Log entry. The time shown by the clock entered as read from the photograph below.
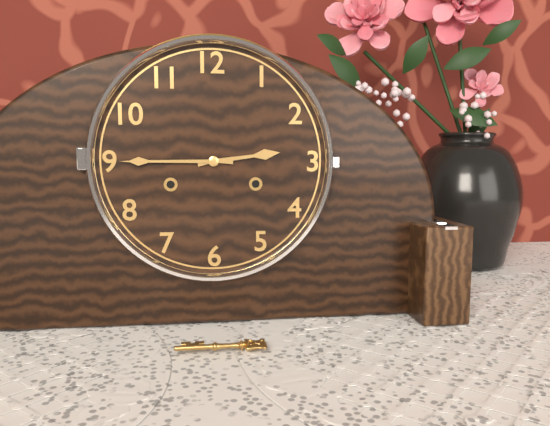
2:45
